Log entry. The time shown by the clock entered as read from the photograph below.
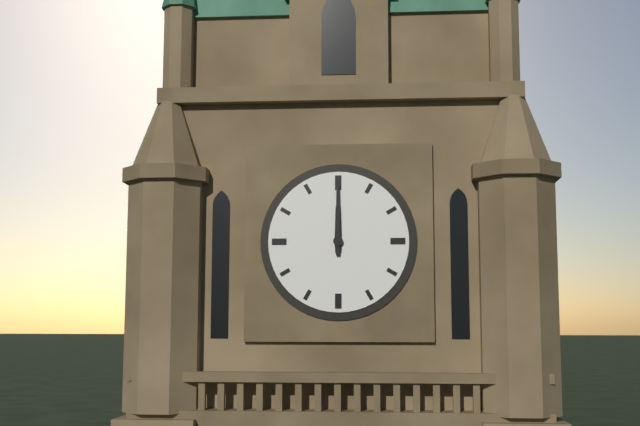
12:00
